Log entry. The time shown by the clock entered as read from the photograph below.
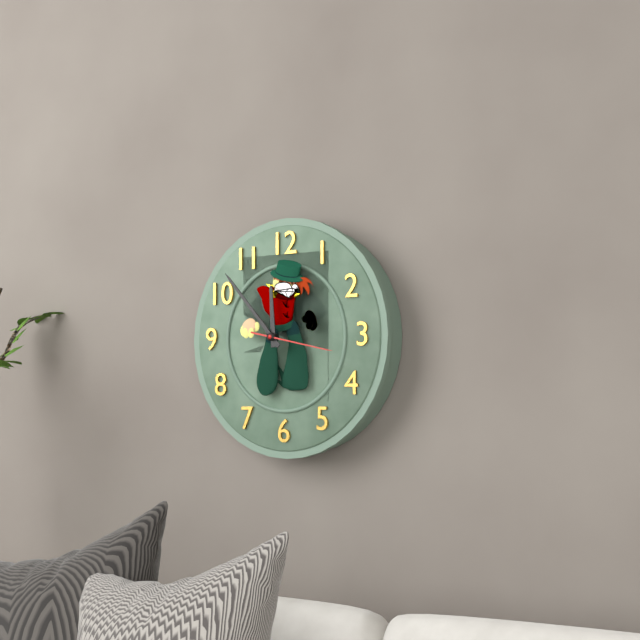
11:53
